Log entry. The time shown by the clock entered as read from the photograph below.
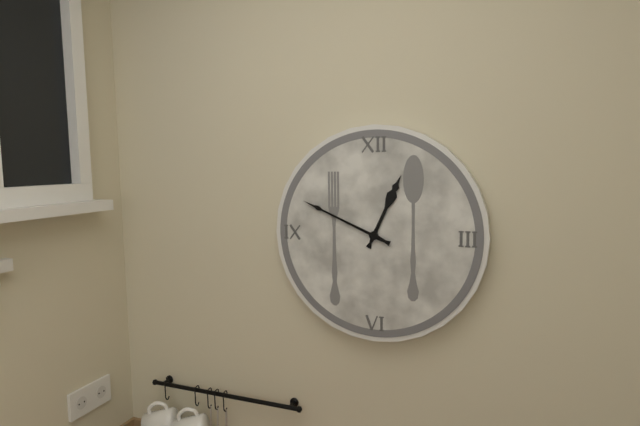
12:49
